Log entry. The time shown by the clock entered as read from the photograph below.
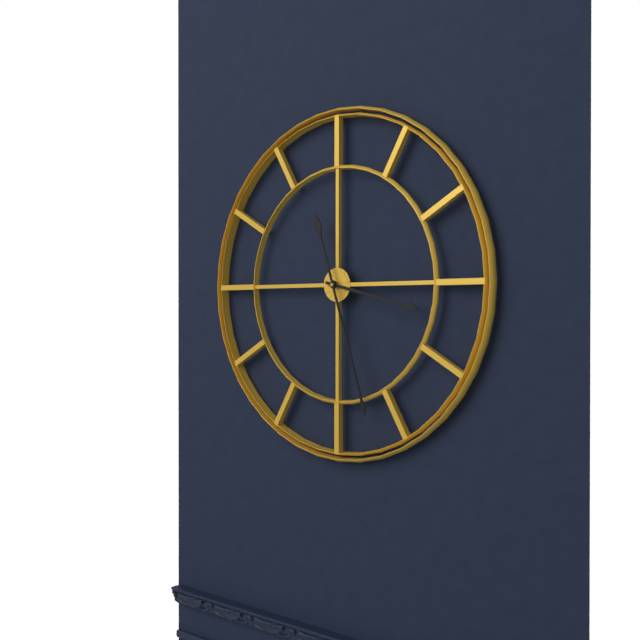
3:27
